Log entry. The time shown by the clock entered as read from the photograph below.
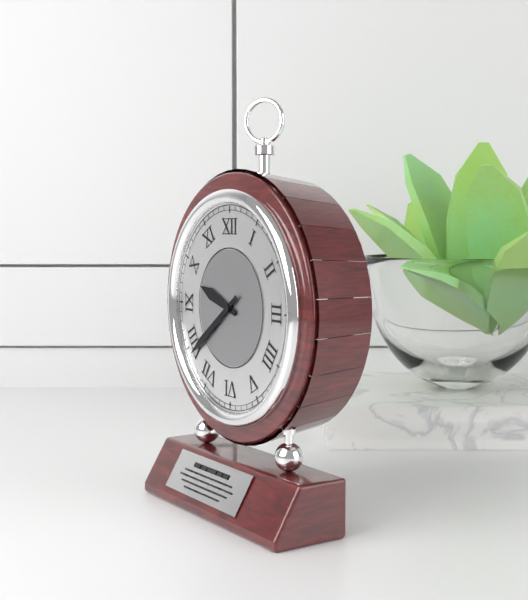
9:39
